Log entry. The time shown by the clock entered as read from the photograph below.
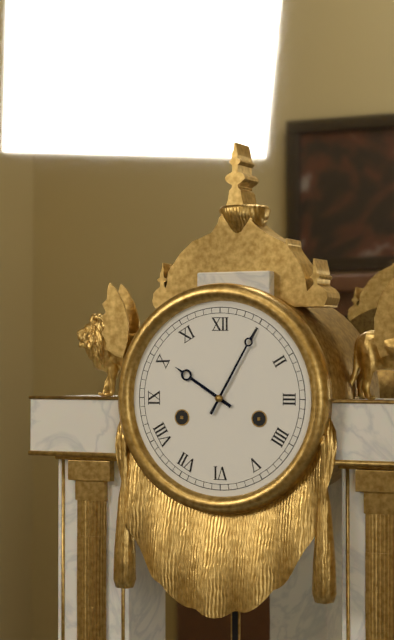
10:05
